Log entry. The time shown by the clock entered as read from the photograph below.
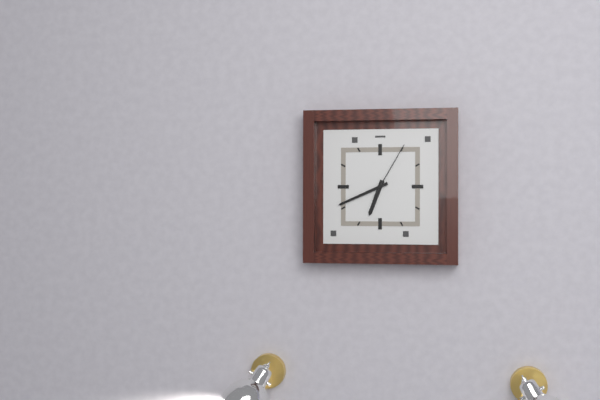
6:41:05
